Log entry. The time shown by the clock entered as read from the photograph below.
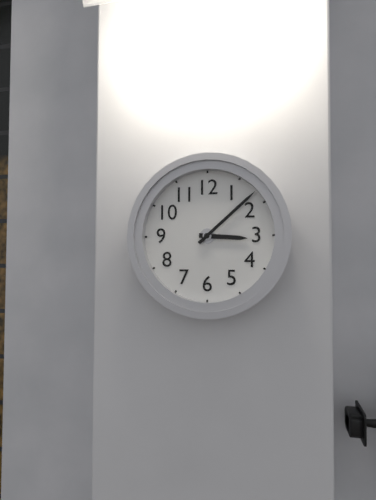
3:08
